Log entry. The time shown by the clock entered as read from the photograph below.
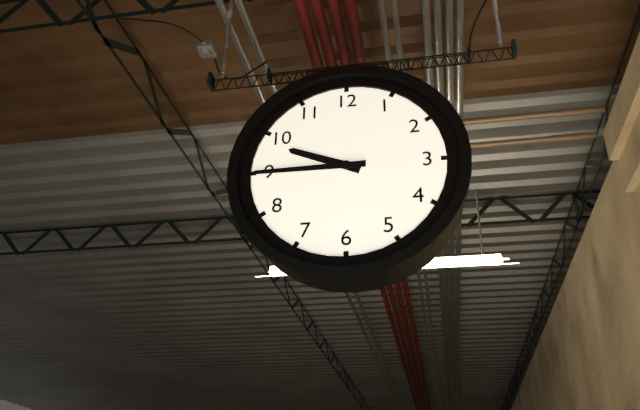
9:45
